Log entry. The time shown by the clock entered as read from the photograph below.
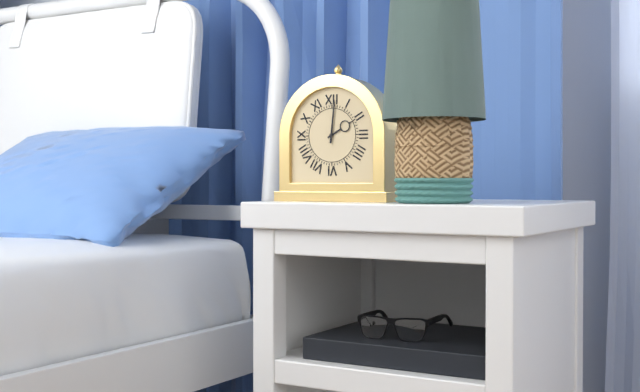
2:01
